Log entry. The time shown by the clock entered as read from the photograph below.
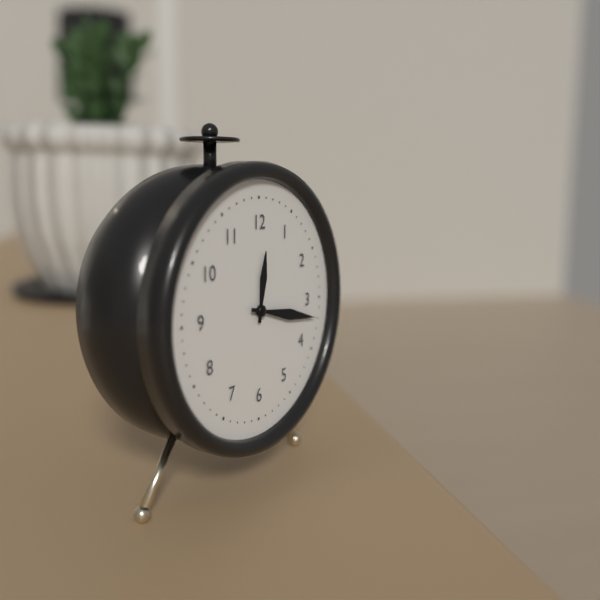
12:17
